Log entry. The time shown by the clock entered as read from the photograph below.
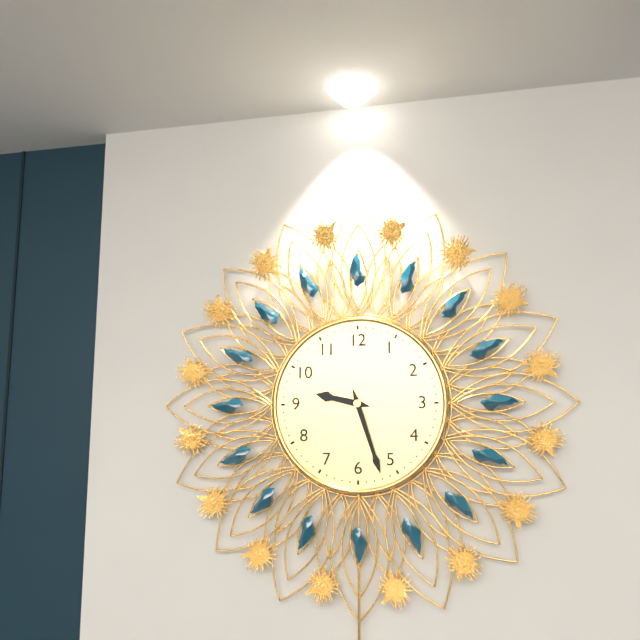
9:27
